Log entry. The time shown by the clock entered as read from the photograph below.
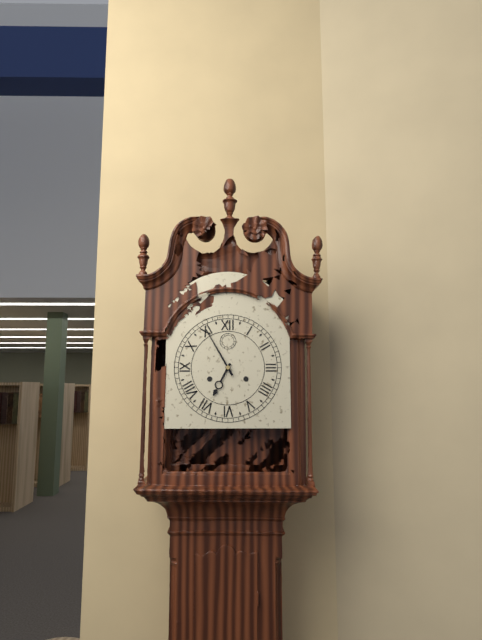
6:55
